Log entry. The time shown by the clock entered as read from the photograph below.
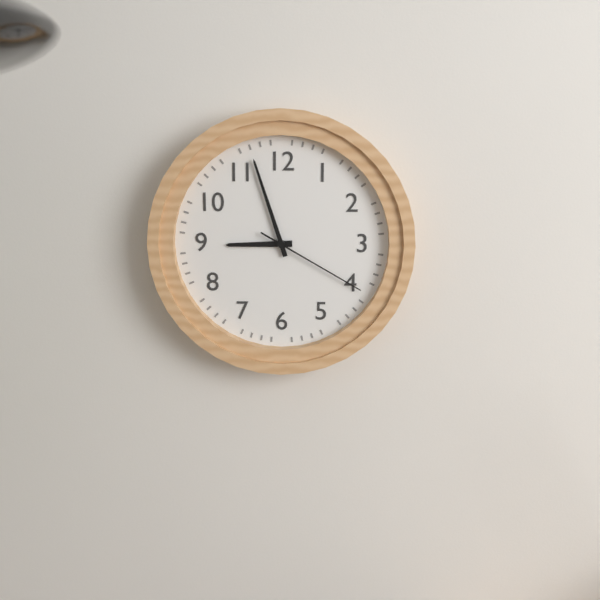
8:57:20
